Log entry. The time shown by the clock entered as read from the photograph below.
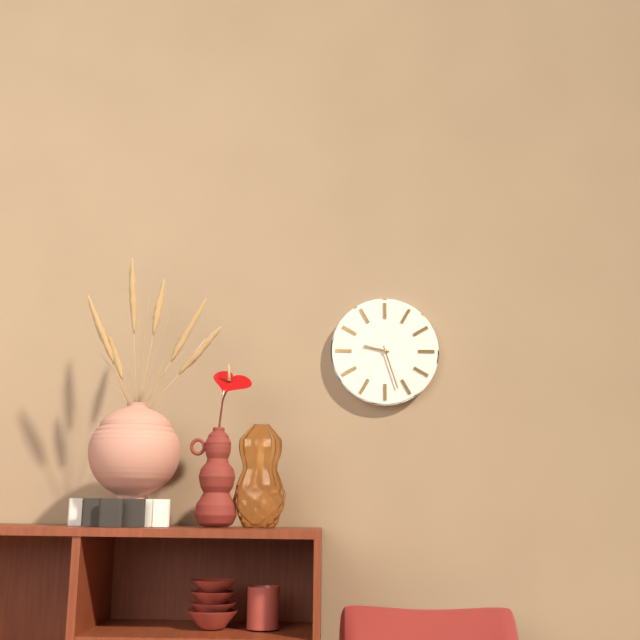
9:27
